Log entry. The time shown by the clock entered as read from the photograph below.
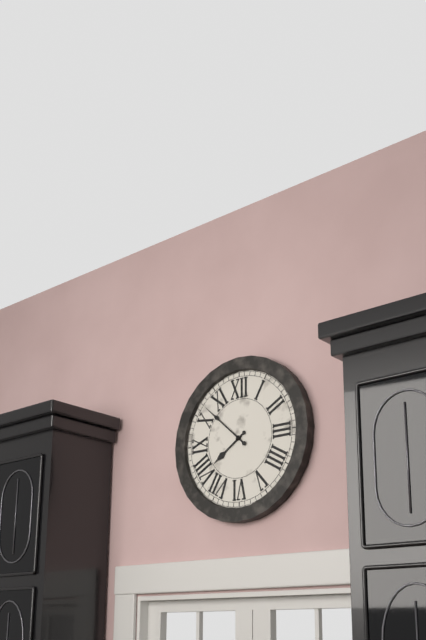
7:52
